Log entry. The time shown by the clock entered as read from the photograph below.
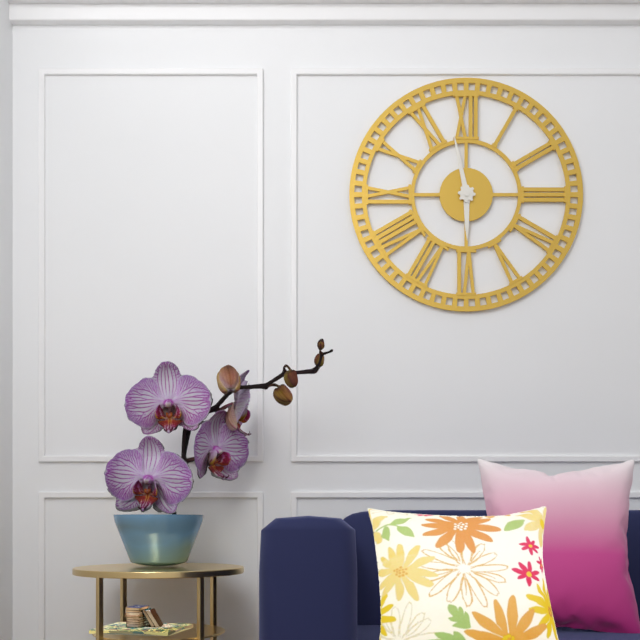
5:58
